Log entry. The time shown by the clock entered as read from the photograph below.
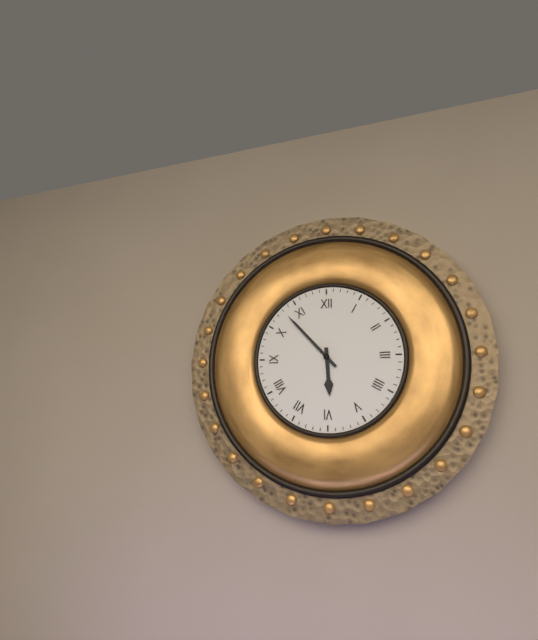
5:53
